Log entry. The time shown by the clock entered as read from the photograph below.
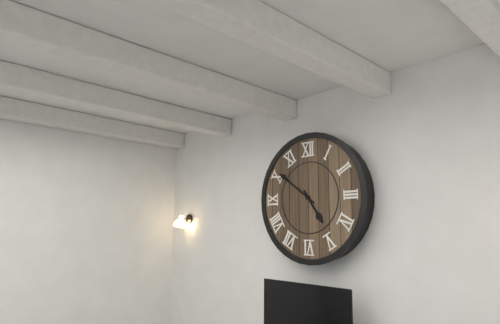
4:51
